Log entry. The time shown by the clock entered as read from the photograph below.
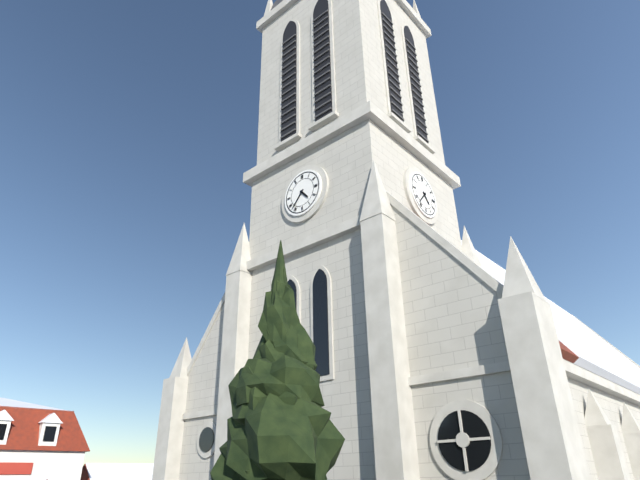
4:37
